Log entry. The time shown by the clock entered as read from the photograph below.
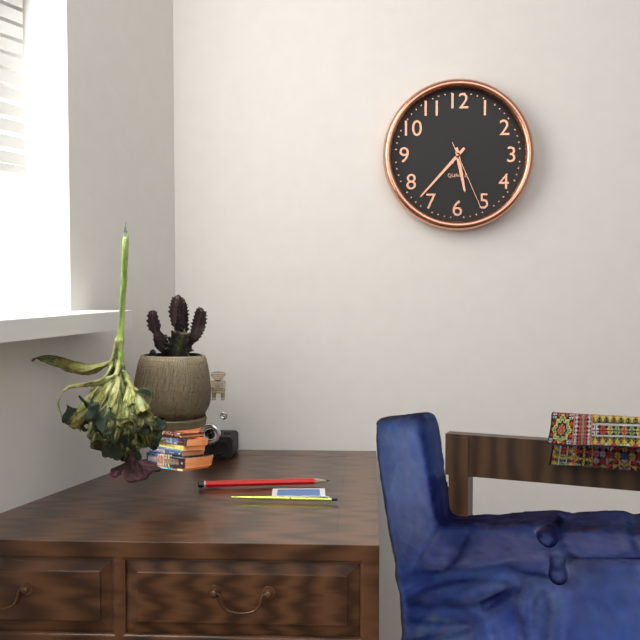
5:37:26
